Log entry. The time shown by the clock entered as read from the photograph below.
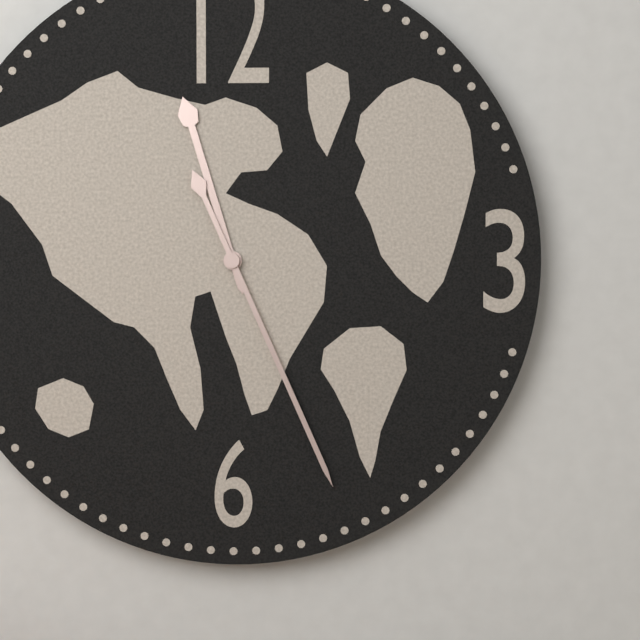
11:26
